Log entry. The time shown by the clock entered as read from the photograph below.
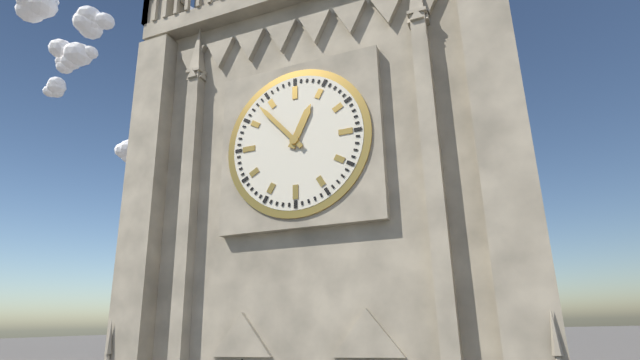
12:53
